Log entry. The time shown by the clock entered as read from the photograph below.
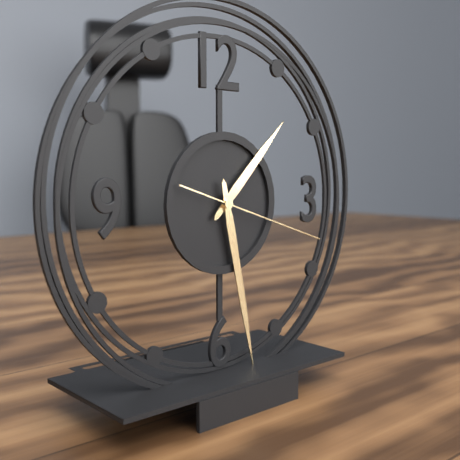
1:28:18
